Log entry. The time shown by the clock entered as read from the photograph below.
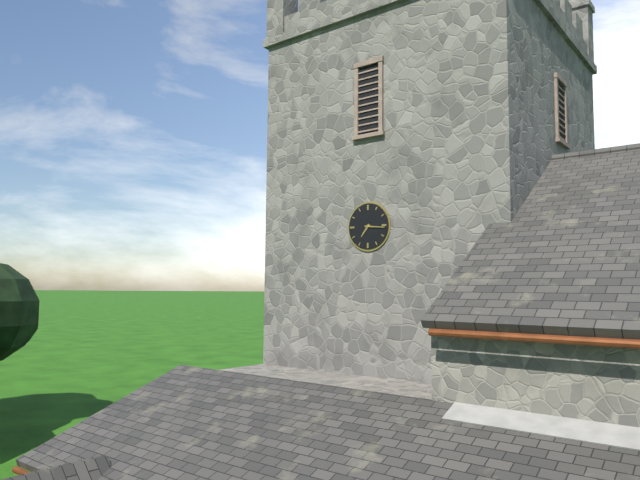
7:16
